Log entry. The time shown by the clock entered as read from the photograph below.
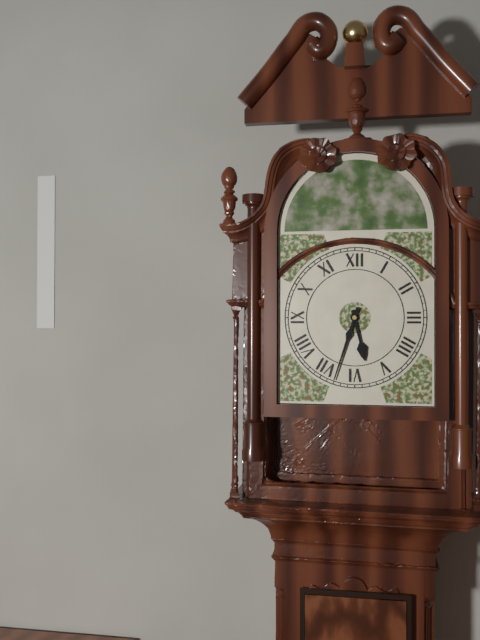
5:33
